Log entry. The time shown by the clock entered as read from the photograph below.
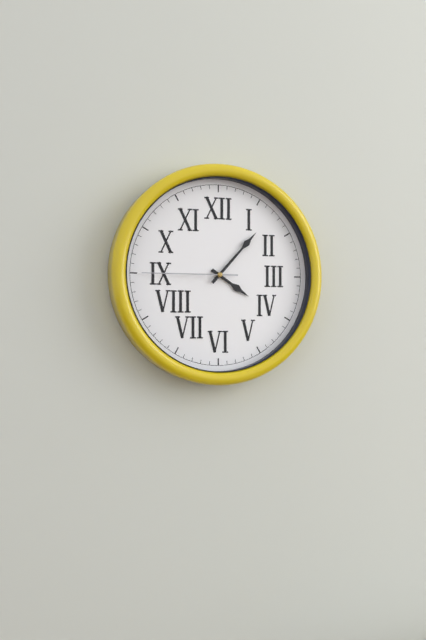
4:07:45
